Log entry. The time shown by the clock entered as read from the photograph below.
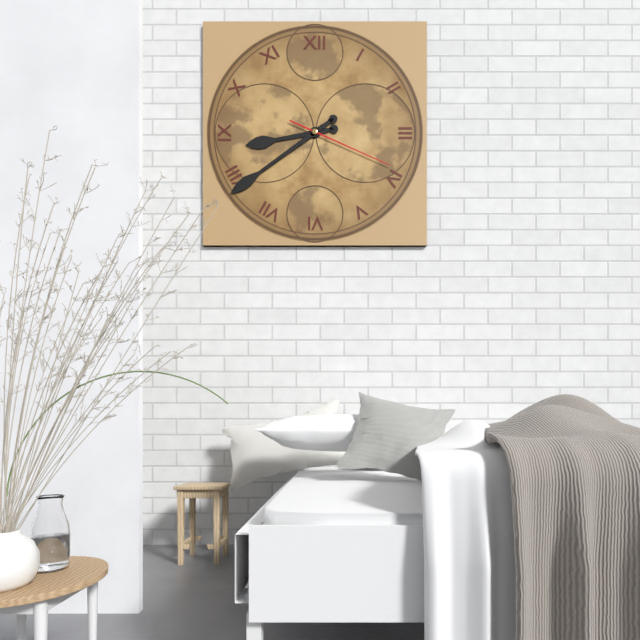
8:39:19
